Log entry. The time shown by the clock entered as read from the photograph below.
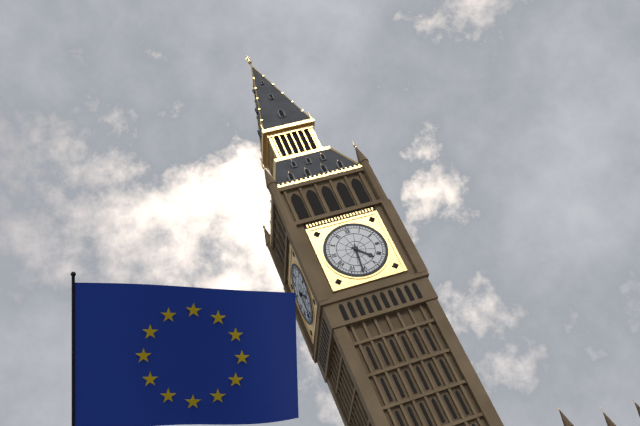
4:31
